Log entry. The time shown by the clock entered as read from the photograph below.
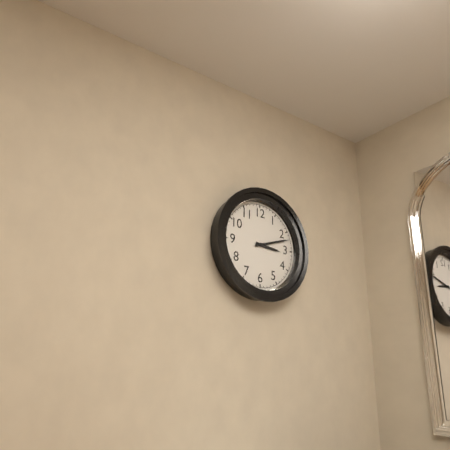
3:12
